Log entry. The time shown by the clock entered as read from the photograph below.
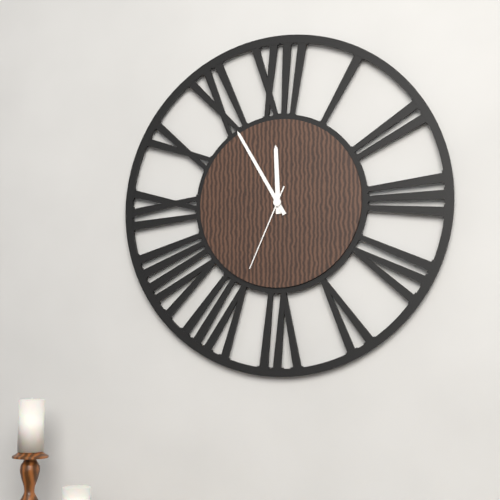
11:55:34
